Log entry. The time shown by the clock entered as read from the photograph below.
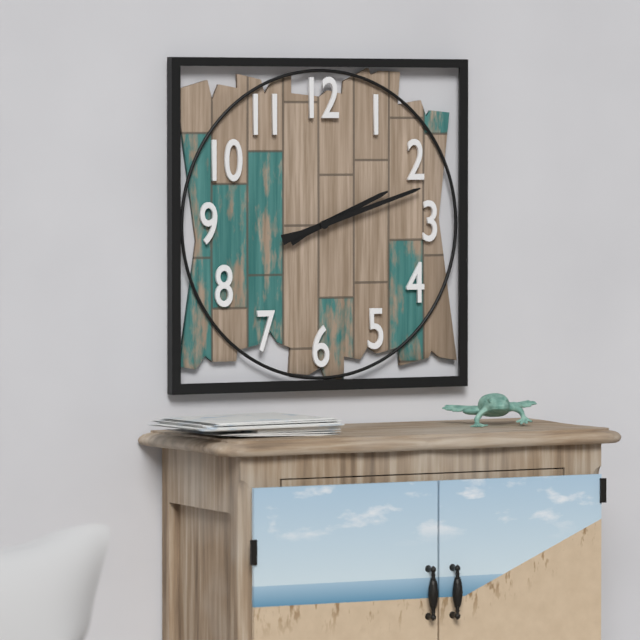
2:12
